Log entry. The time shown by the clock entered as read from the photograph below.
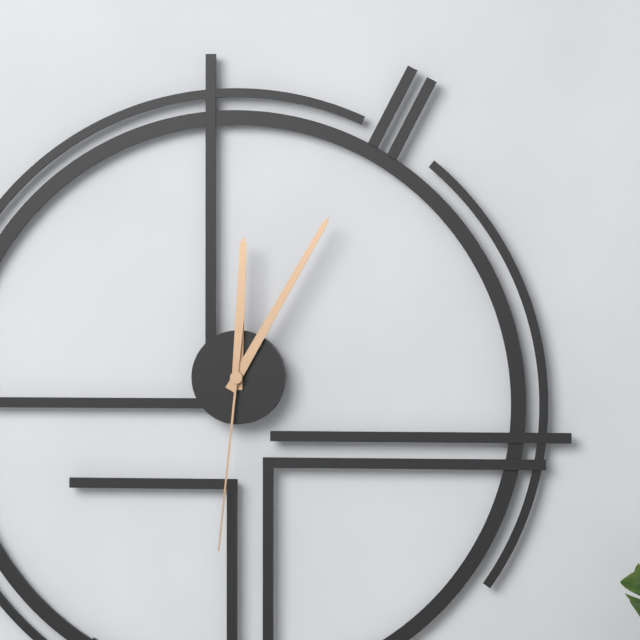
12:05:31
